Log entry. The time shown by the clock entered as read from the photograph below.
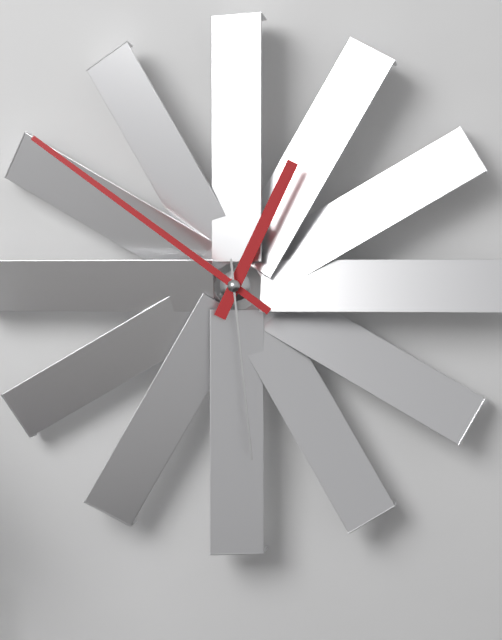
12:51:29
